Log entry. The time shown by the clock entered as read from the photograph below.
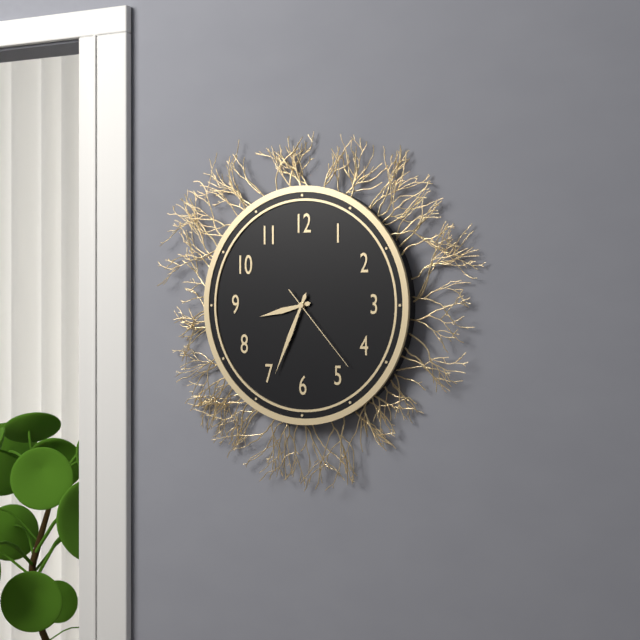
8:34:23
